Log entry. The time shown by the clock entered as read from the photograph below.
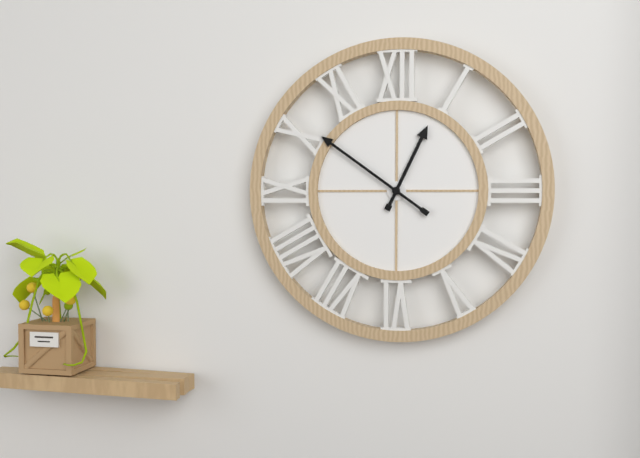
12:51
